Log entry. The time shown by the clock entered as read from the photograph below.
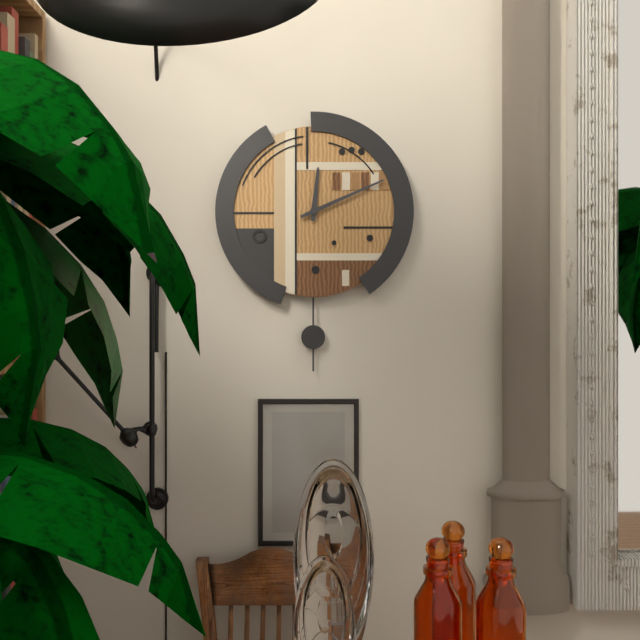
12:11
